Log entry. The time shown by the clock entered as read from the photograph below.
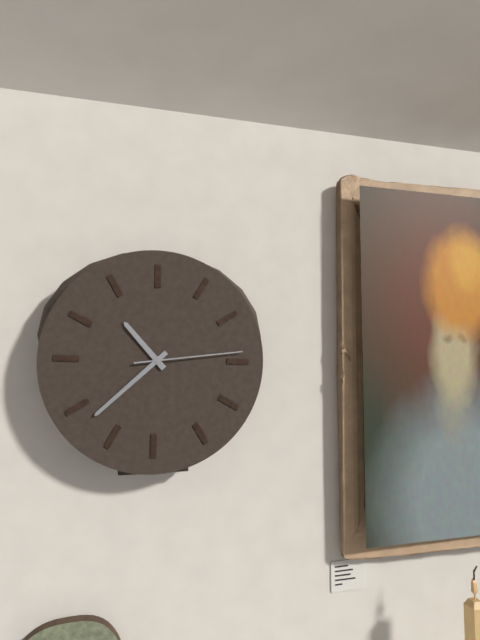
10:38:14
